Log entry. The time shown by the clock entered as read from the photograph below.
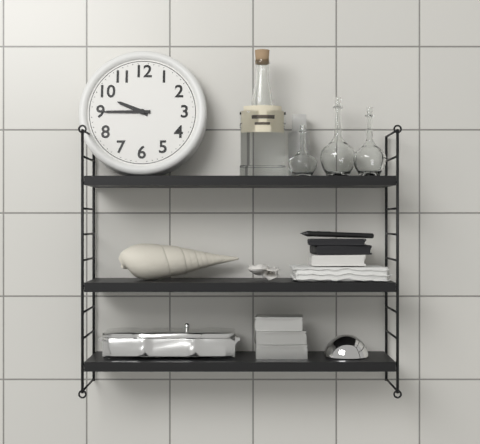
9:45
